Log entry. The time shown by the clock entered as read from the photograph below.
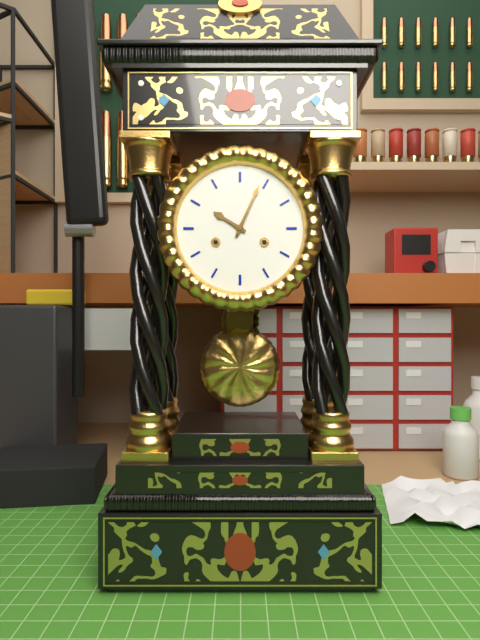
10:04
